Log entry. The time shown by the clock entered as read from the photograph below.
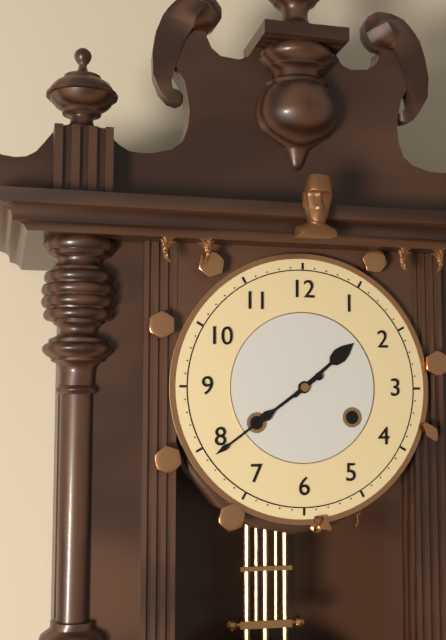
1:39
